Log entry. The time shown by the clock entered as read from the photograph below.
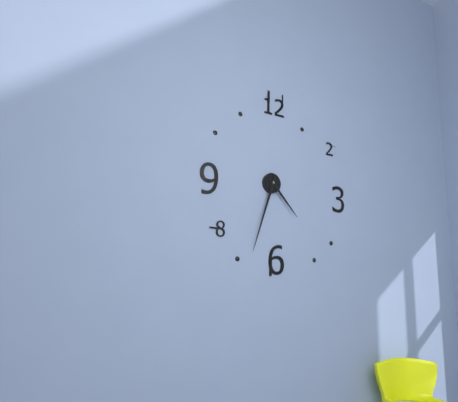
4:33
